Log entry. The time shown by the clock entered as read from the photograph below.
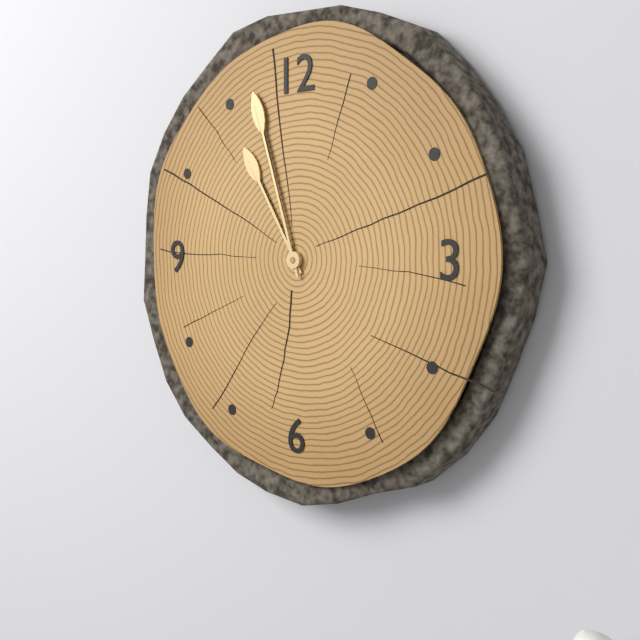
10:57
